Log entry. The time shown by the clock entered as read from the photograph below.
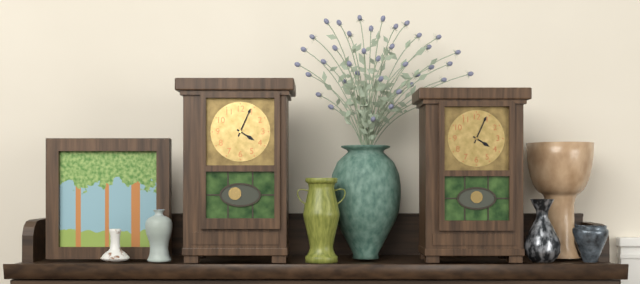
4:04
